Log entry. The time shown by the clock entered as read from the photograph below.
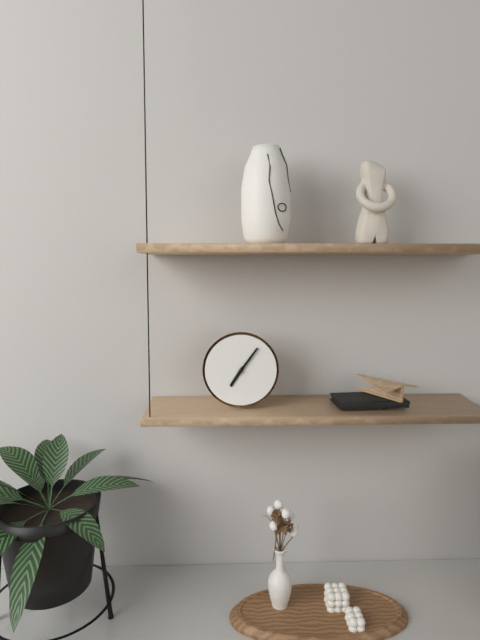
7:06
